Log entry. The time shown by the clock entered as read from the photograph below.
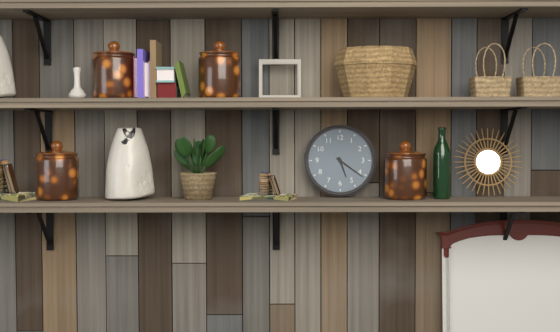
5:21
